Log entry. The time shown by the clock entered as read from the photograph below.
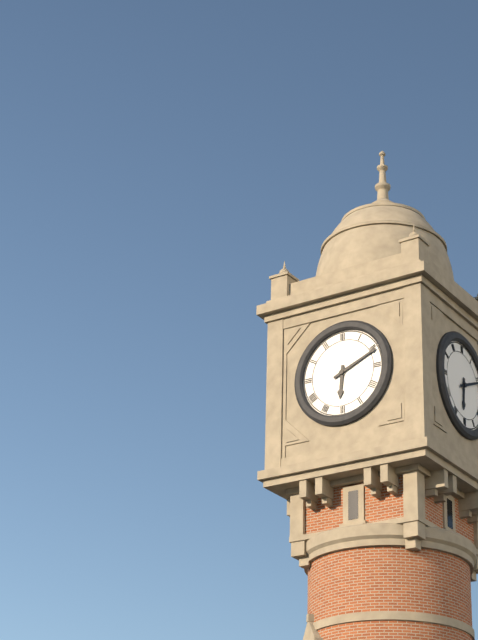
6:11
